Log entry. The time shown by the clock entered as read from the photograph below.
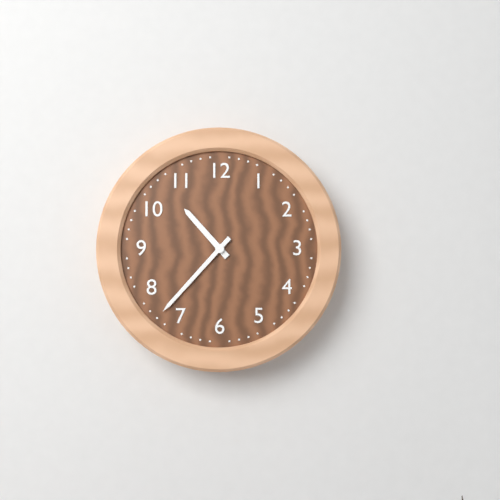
10:37
